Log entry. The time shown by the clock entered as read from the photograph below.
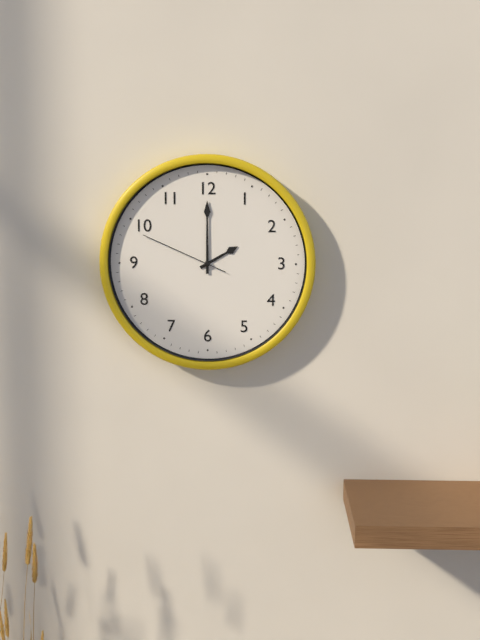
2:00:49
